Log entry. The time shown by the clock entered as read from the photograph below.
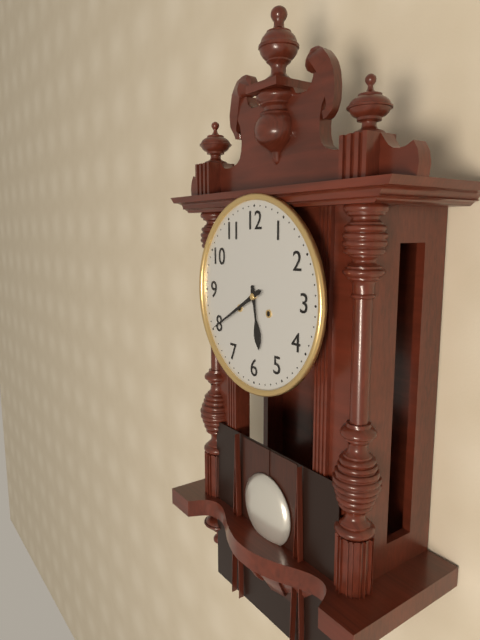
5:40
